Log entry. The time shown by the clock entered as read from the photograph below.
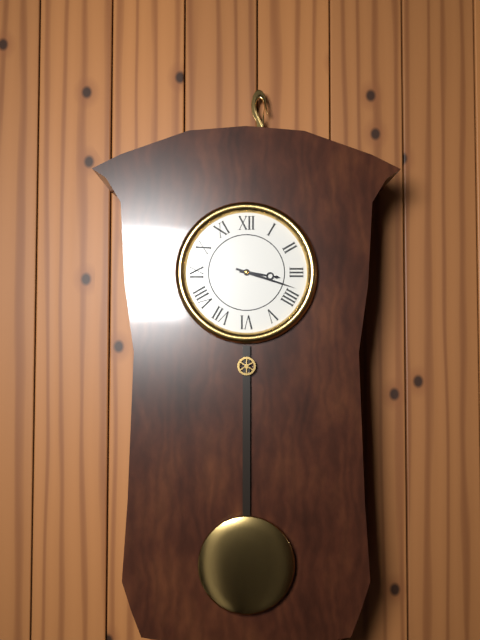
3:18
